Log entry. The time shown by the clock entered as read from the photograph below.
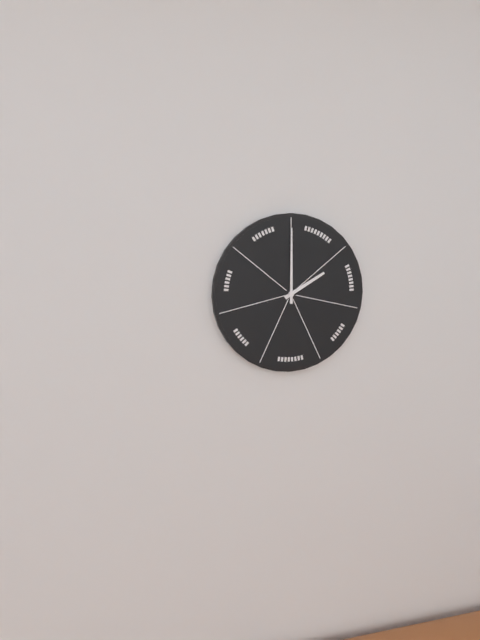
2:00
